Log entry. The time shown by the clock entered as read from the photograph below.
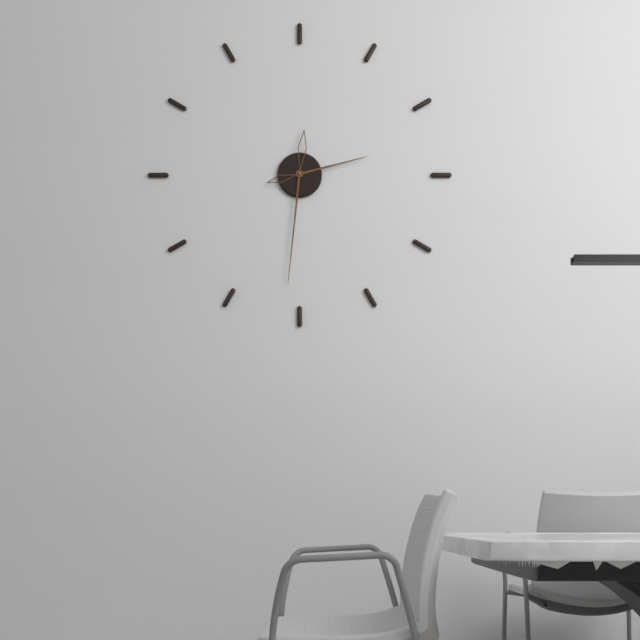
2:31
